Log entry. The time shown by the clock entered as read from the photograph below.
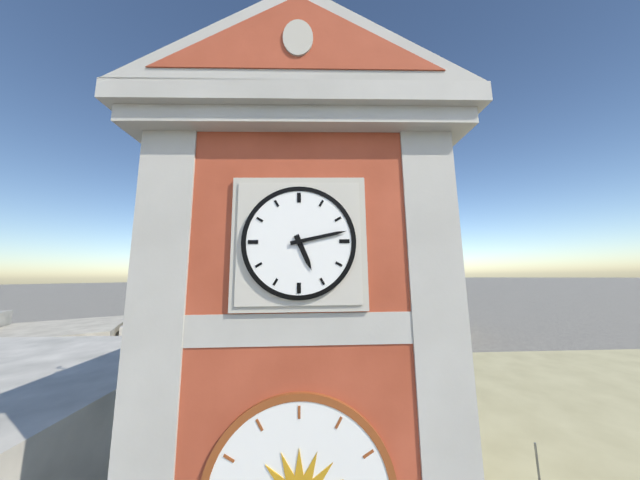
5:13
